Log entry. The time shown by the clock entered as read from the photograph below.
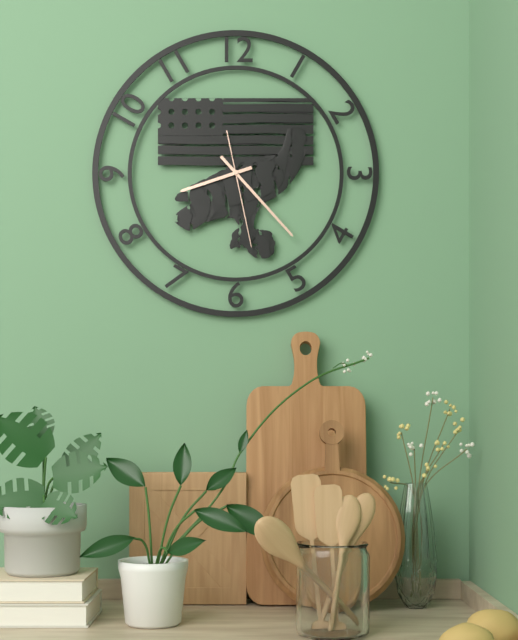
8:23:28
